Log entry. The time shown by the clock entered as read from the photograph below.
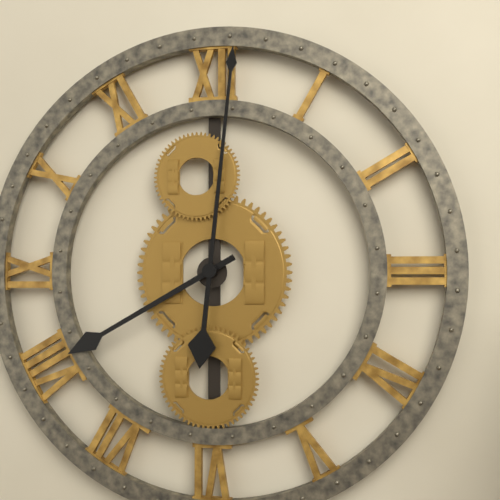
8:01
